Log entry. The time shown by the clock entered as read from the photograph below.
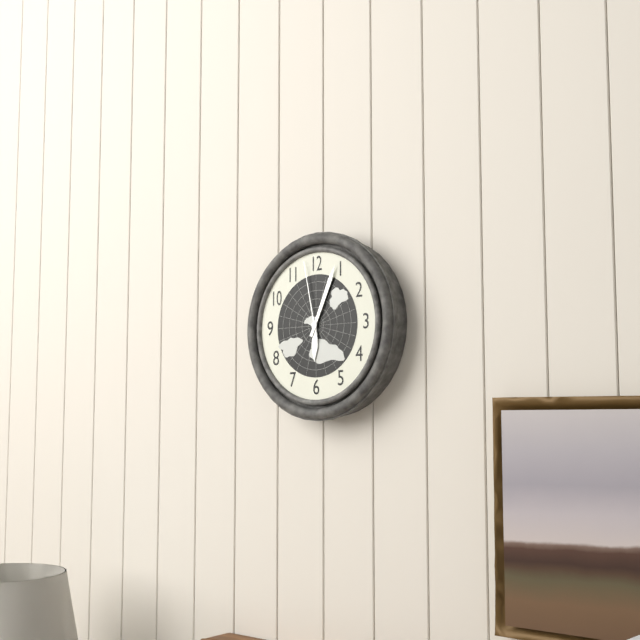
6:04:58
